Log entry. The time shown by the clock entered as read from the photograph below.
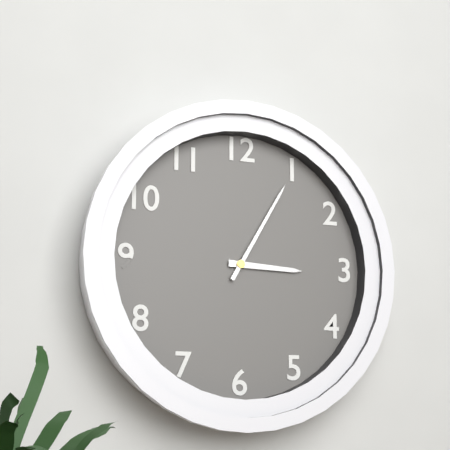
3:05
